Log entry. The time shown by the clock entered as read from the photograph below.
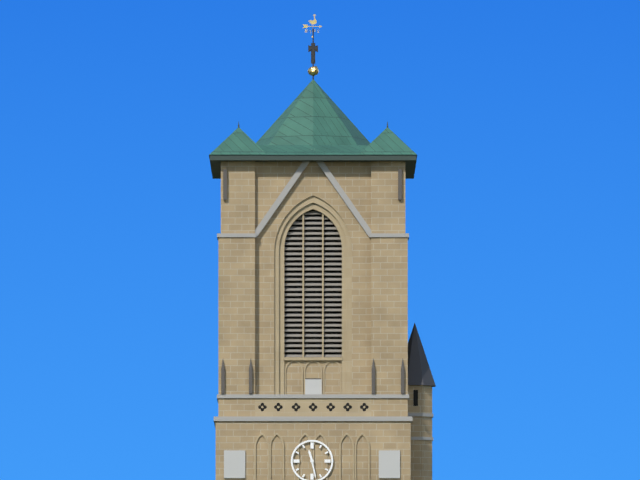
11:28
